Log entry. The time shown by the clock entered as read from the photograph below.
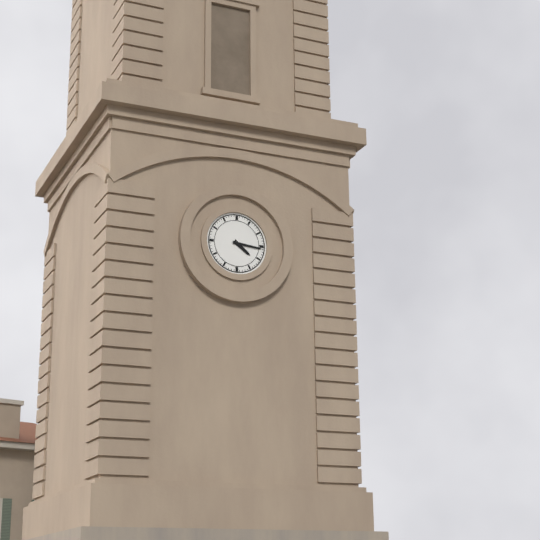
4:16
